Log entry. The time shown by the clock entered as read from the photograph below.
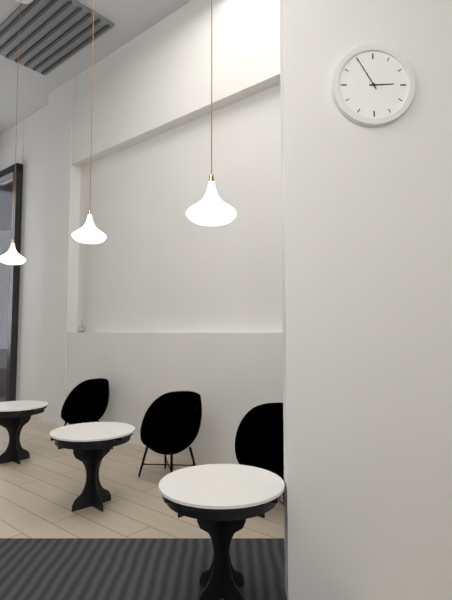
2:55
